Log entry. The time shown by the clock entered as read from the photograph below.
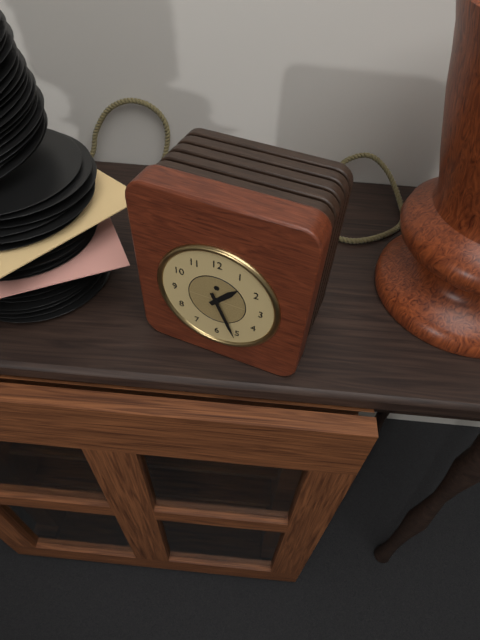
1:26
